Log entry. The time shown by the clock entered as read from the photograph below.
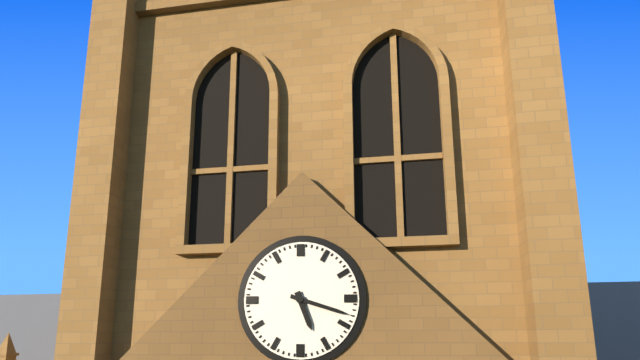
5:18
